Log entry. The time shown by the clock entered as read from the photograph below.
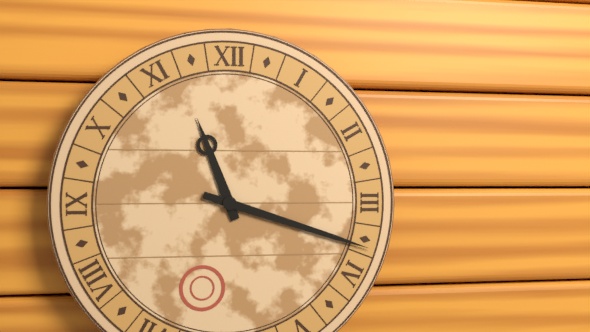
11:18
